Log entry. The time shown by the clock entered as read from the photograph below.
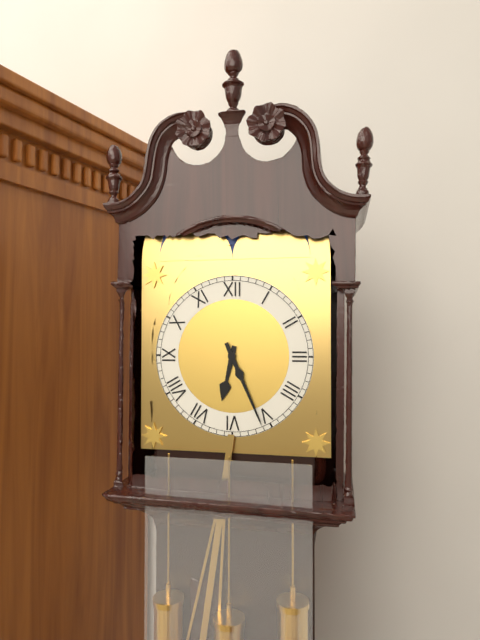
6:26
